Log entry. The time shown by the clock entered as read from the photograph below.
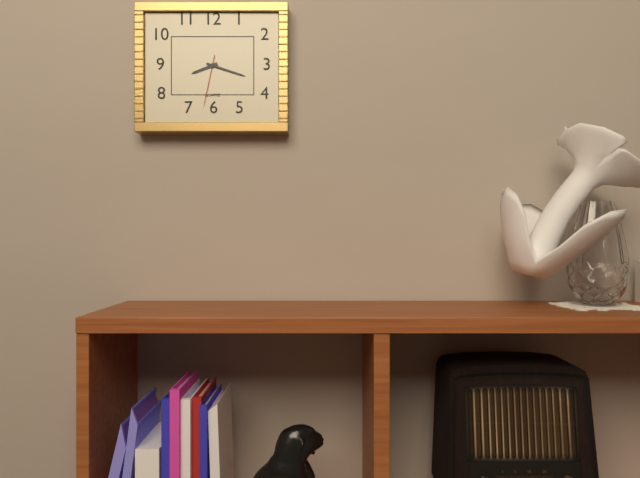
8:18:32
